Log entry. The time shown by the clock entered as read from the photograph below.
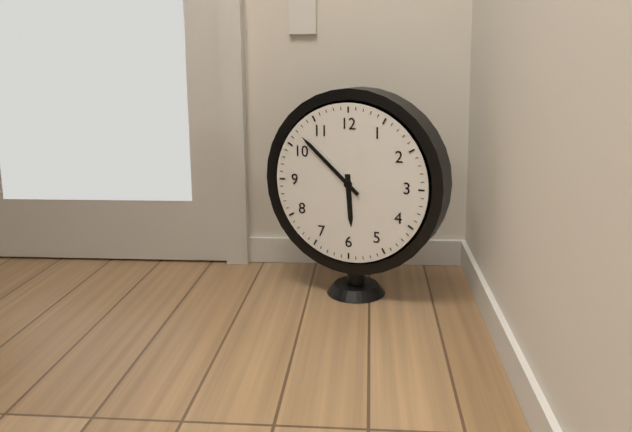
5:52
